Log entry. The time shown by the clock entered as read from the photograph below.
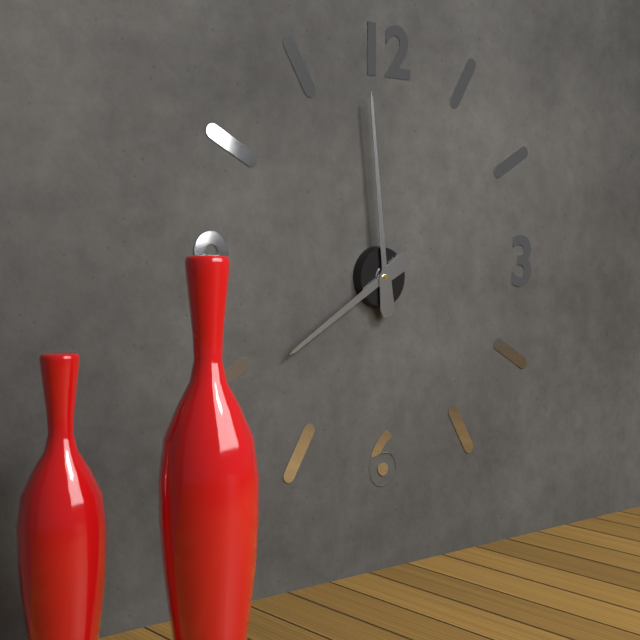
7:59
